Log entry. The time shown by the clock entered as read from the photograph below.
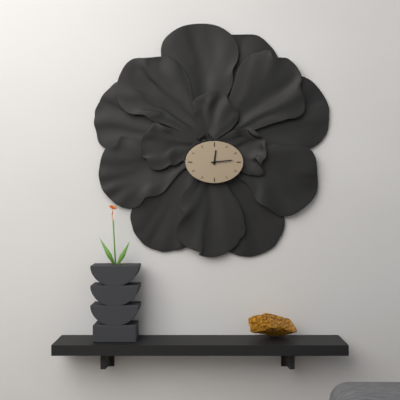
12:14
